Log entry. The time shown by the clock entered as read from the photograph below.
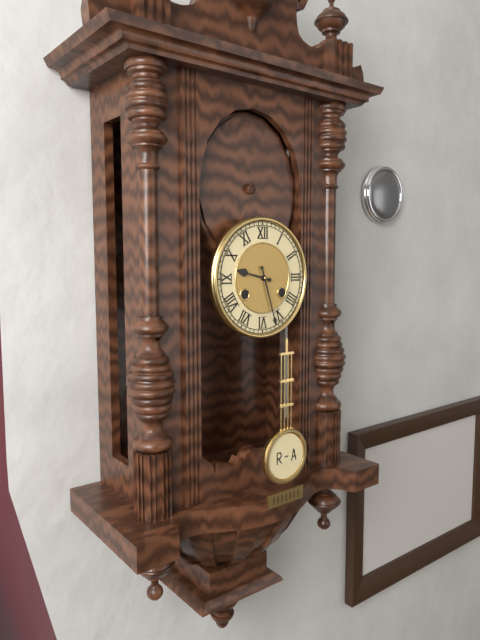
9:27
